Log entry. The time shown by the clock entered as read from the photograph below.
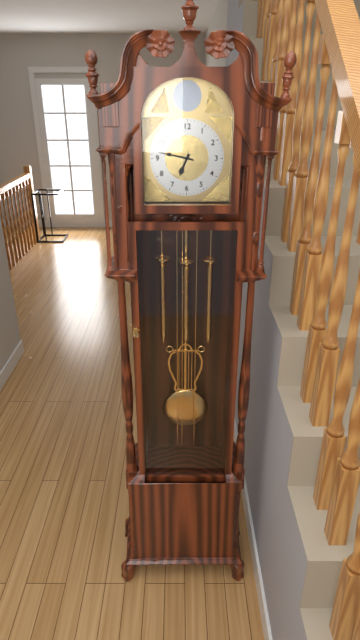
6:47
